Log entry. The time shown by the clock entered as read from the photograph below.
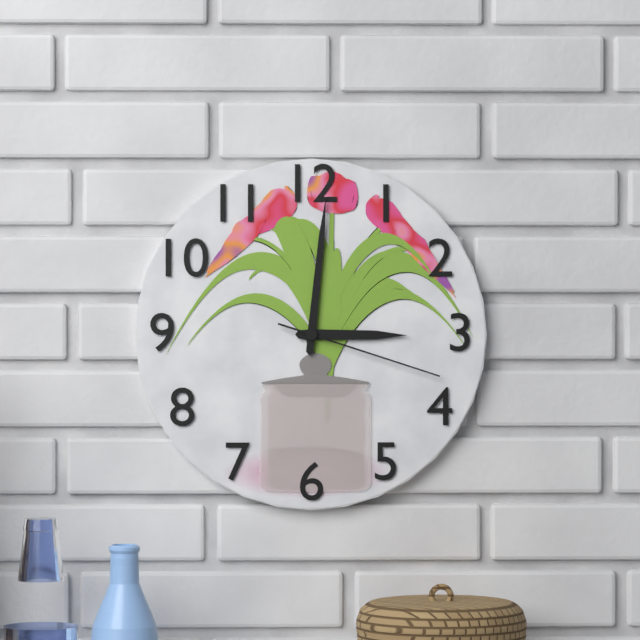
3:01:18
